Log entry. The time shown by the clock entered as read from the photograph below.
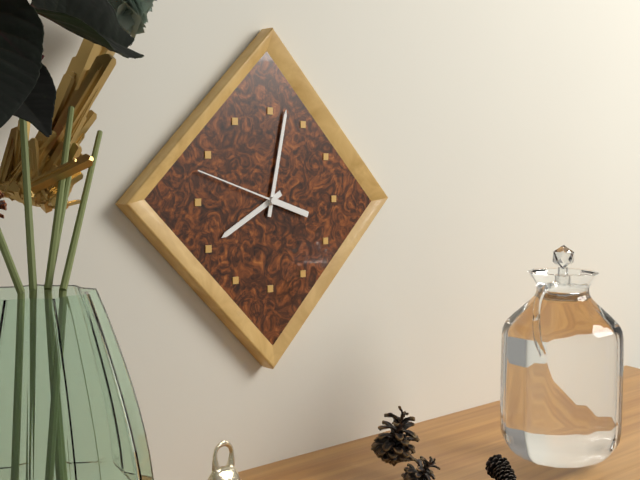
8:02:48
